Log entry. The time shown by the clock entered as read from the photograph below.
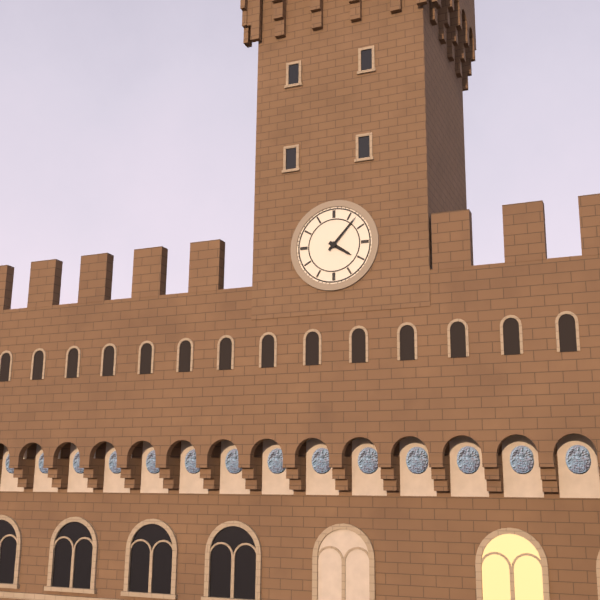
4:07
